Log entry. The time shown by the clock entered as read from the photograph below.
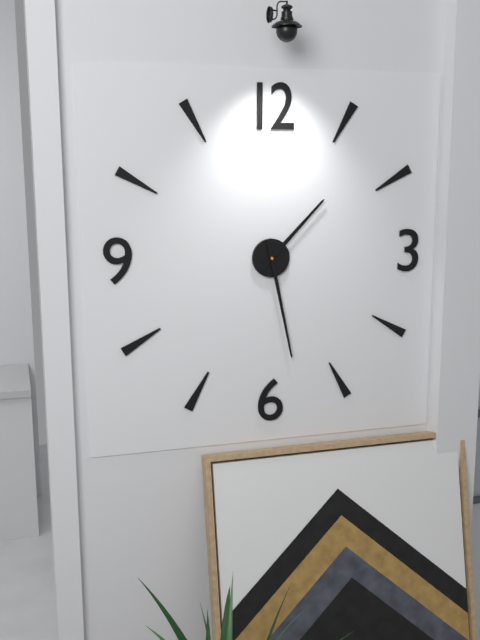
1:28
